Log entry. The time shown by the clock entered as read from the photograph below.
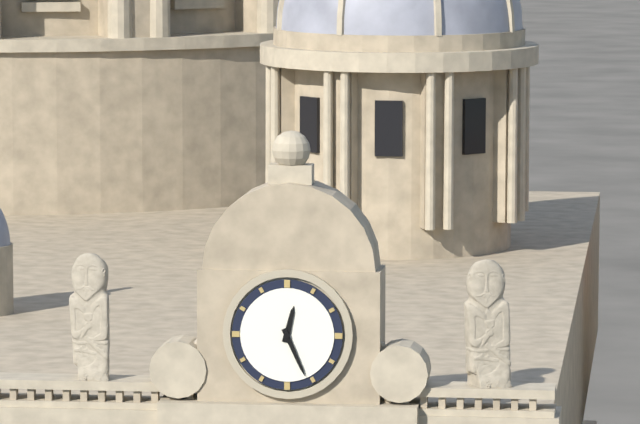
12:26
